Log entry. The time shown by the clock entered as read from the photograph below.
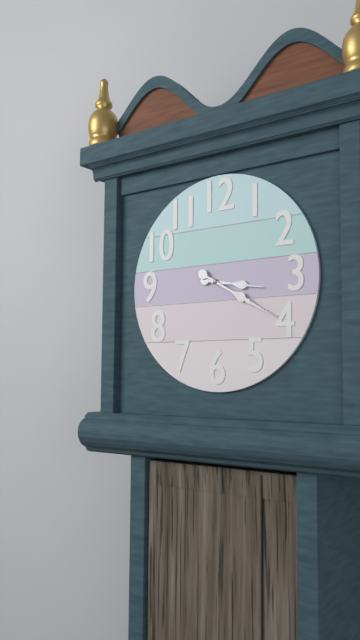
3:20
